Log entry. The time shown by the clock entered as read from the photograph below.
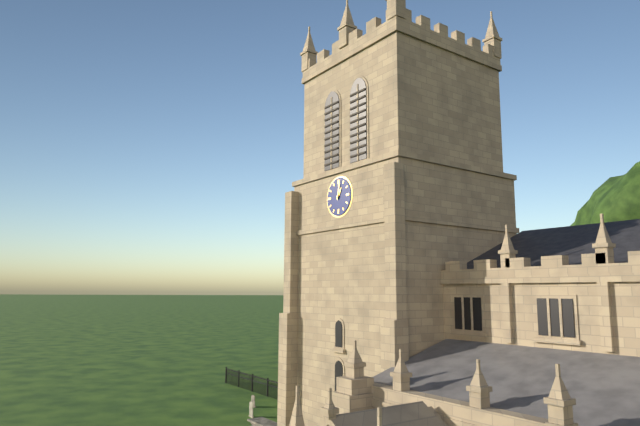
1:02
